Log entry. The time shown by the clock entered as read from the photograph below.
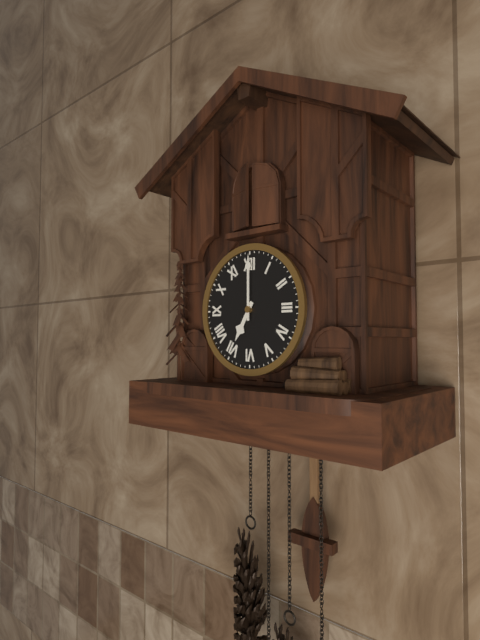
7:00
